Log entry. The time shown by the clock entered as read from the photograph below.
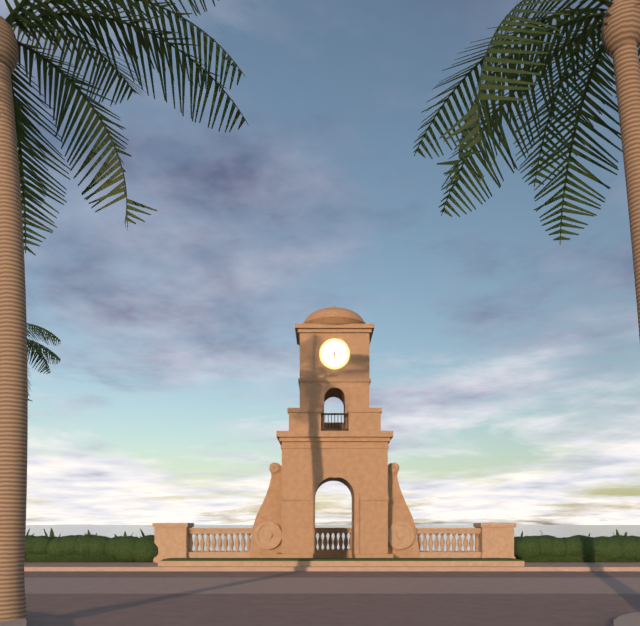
5:57
